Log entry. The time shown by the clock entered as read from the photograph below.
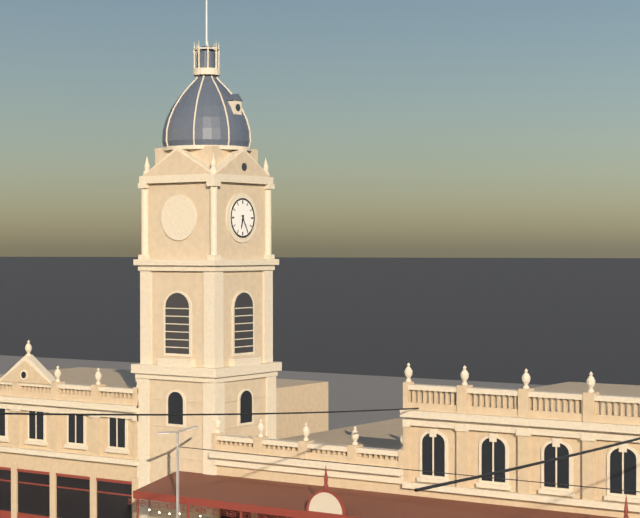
6:25
